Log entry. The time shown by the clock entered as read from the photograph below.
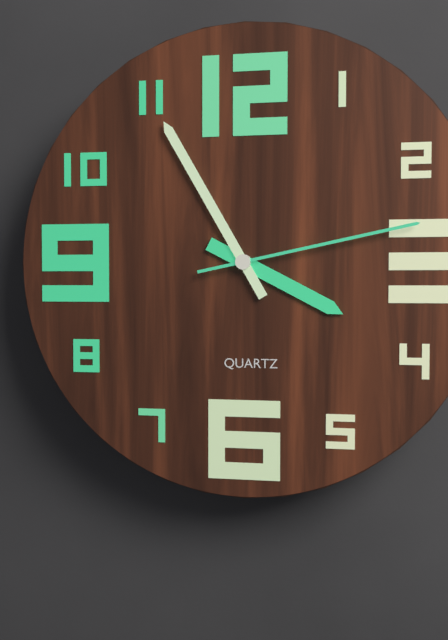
3:55:13
